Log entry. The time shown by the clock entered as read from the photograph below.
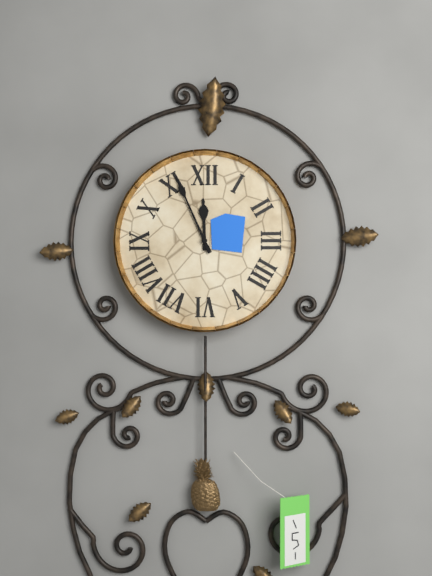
11:56
